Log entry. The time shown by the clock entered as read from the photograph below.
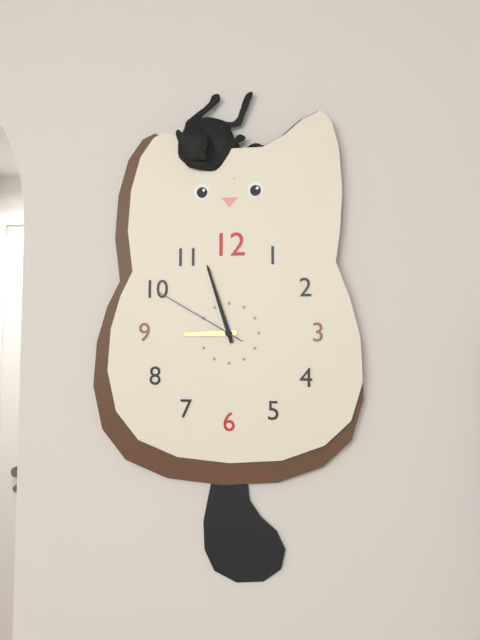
8:57:50
